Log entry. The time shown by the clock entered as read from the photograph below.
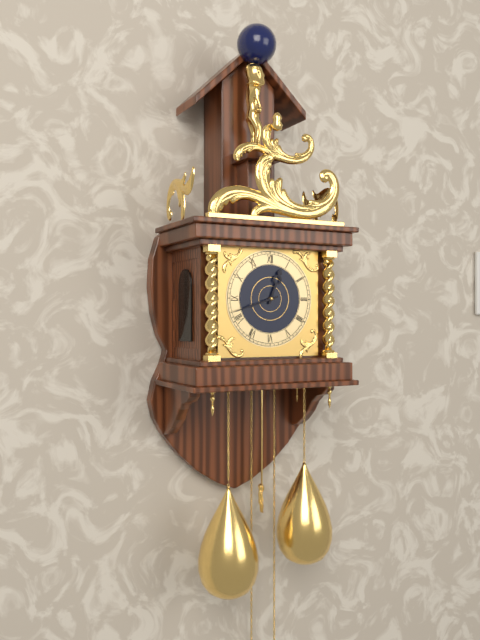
12:42
